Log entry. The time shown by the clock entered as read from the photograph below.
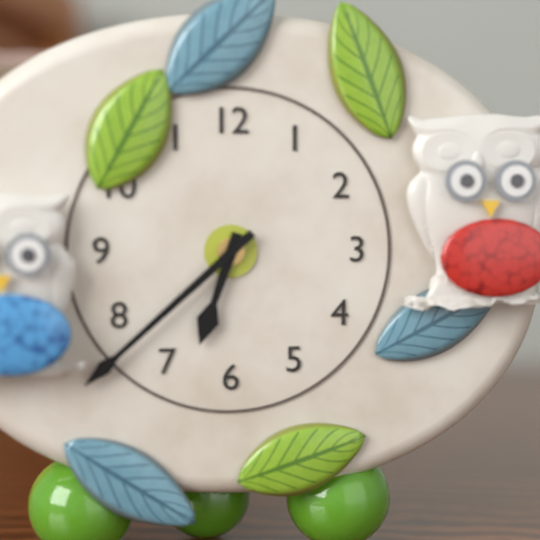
6:38
